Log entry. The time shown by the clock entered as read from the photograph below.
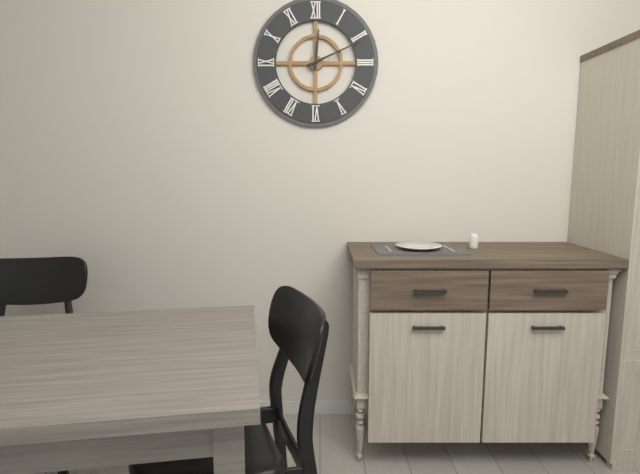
12:11
